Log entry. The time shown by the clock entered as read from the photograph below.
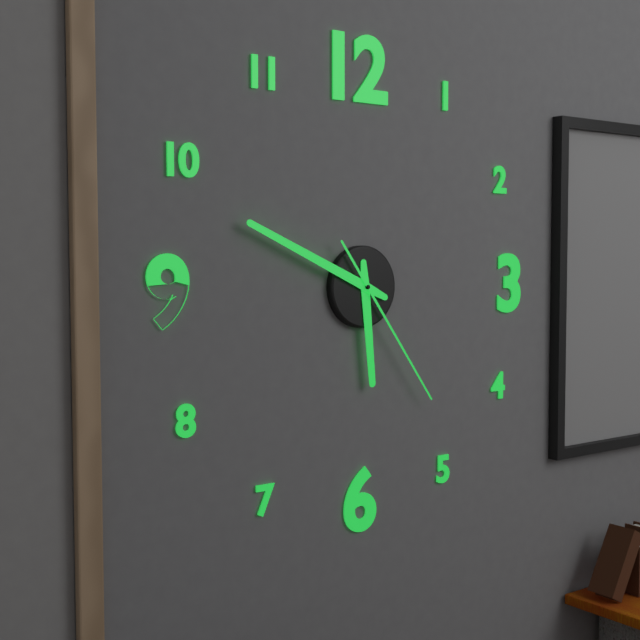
5:49:24
